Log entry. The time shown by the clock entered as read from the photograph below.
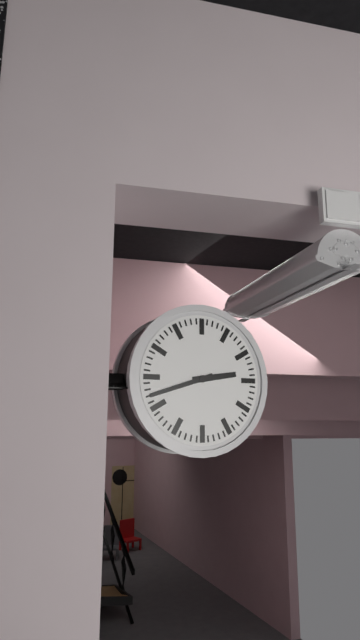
2:42
